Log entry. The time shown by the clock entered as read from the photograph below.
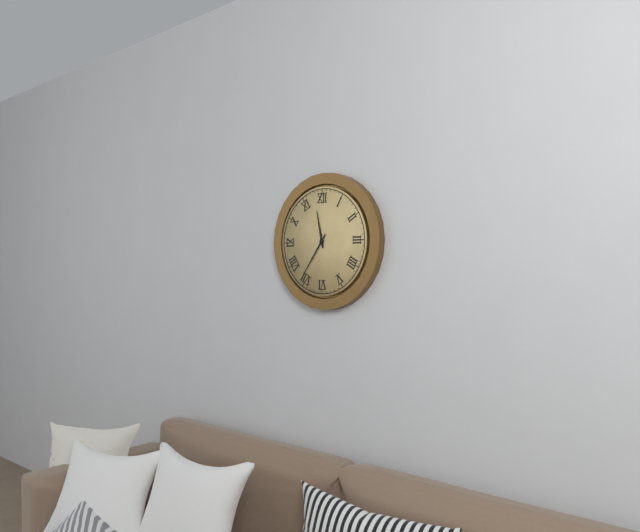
11:36
